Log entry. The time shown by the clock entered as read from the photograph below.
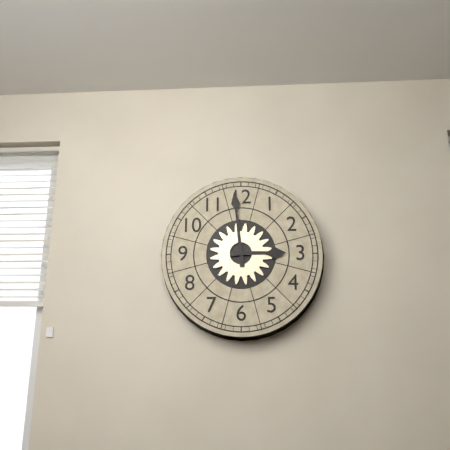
2:59
